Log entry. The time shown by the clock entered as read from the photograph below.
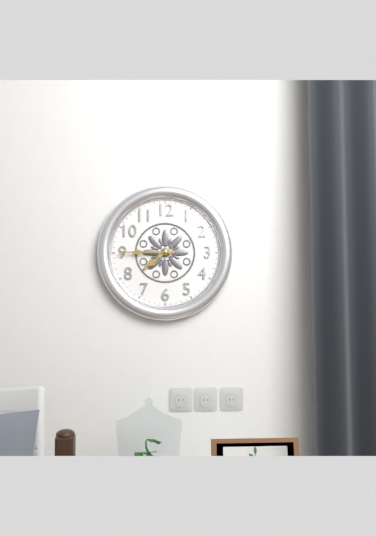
7:45
